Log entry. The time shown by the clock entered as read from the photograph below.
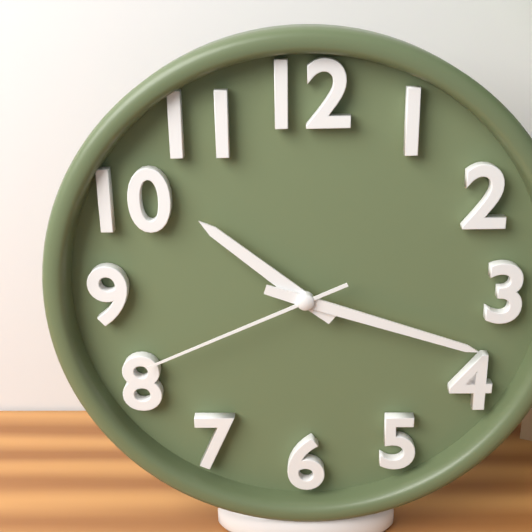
10:18:41
